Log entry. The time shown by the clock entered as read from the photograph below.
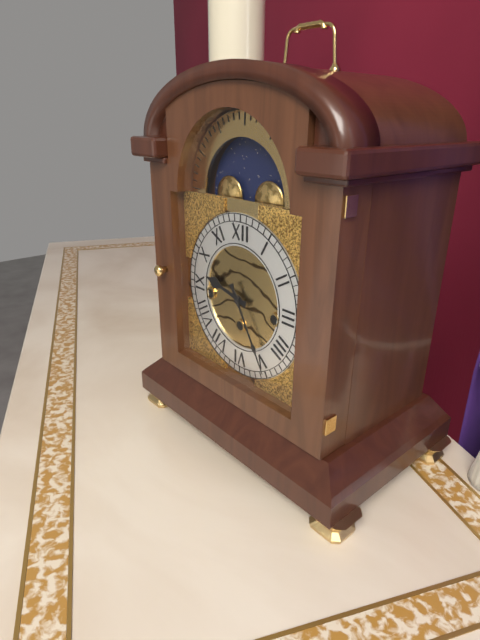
9:25
